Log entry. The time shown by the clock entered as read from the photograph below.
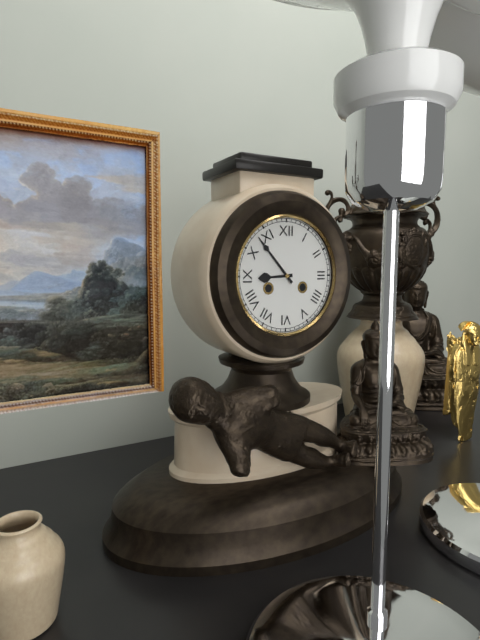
8:53
